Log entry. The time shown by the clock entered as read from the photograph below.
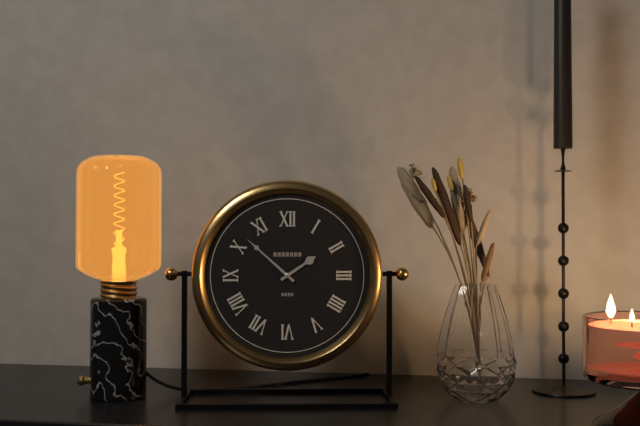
1:52
